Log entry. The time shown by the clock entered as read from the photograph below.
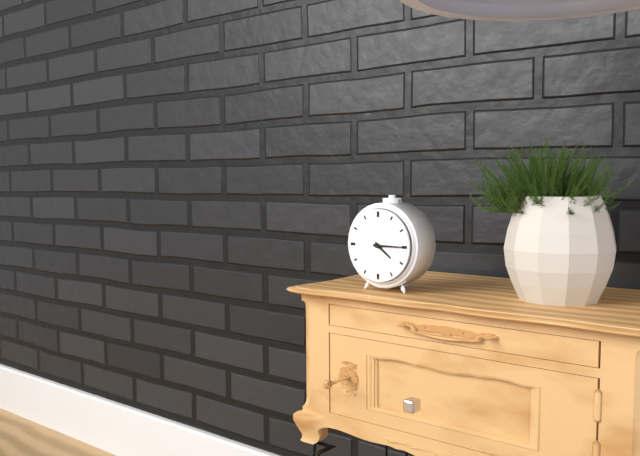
4:15
